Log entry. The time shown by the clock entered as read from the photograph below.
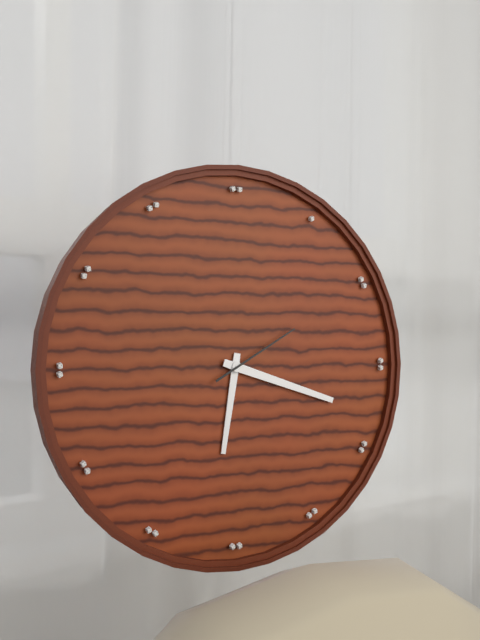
6:18:10
